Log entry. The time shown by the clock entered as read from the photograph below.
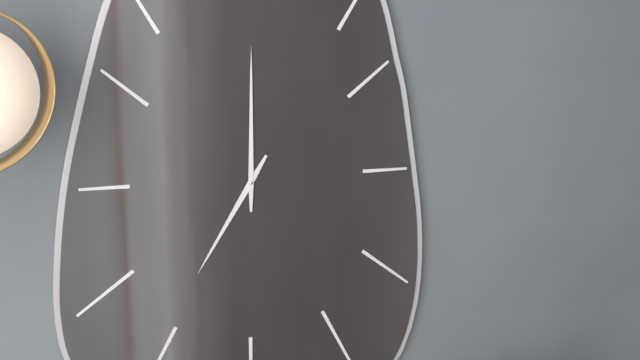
7:00
